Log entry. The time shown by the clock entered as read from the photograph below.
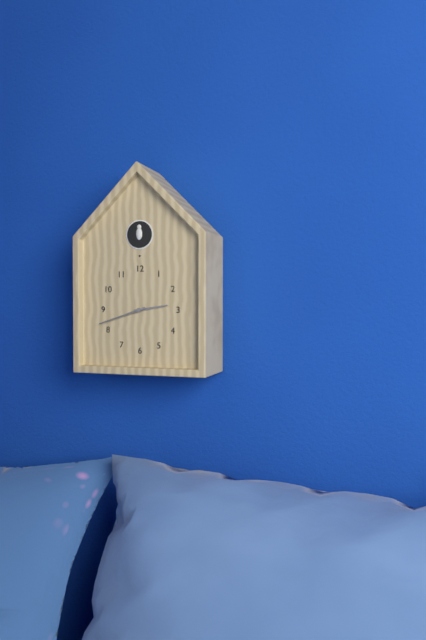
2:42
